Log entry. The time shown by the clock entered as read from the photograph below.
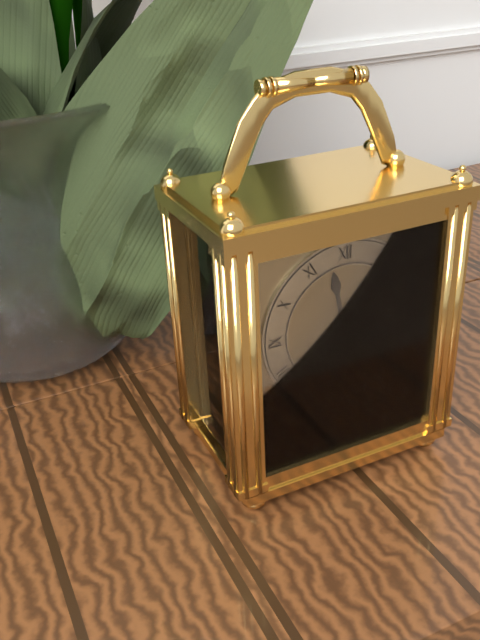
11:37
